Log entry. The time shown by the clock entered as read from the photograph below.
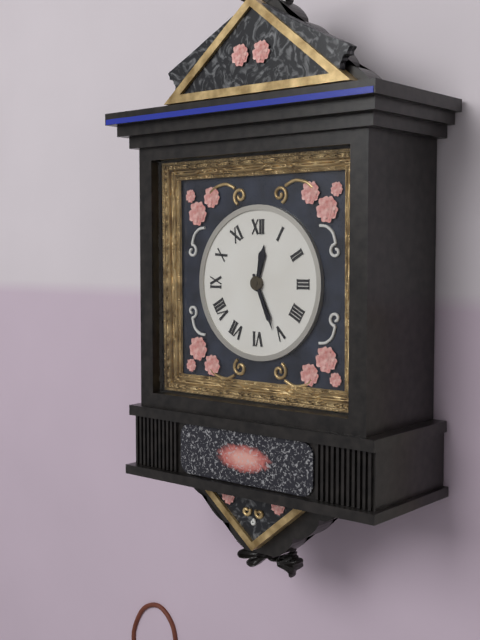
12:26
